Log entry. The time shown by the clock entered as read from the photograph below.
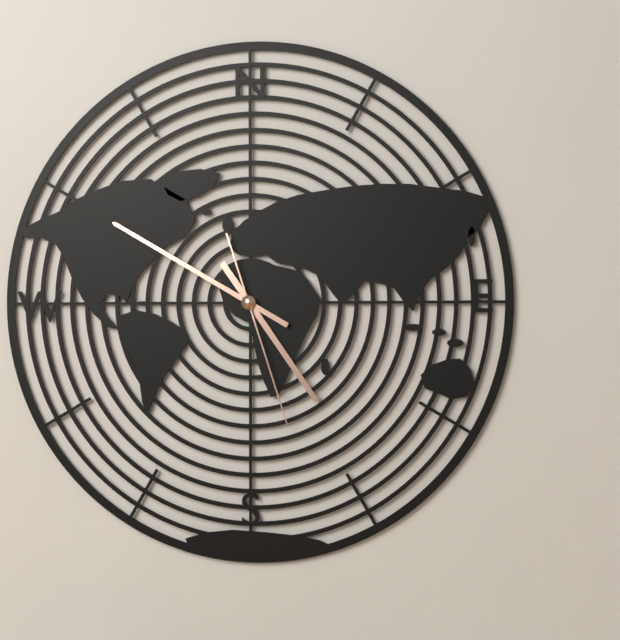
4:50:27
